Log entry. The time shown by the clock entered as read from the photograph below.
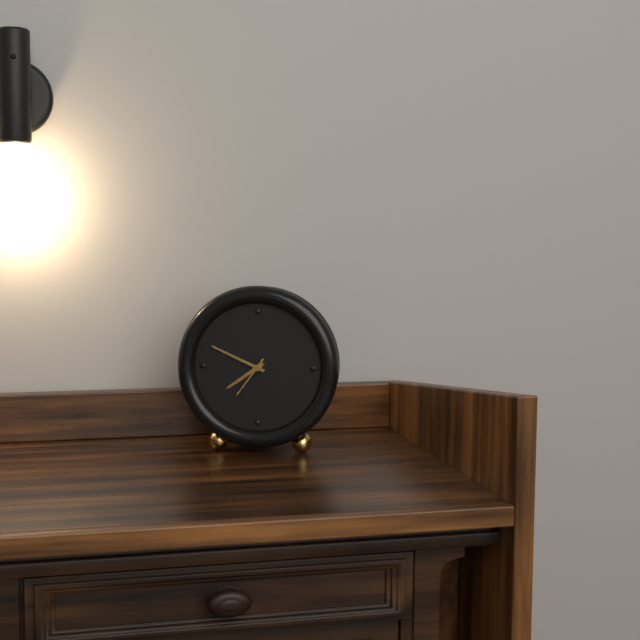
7:49
